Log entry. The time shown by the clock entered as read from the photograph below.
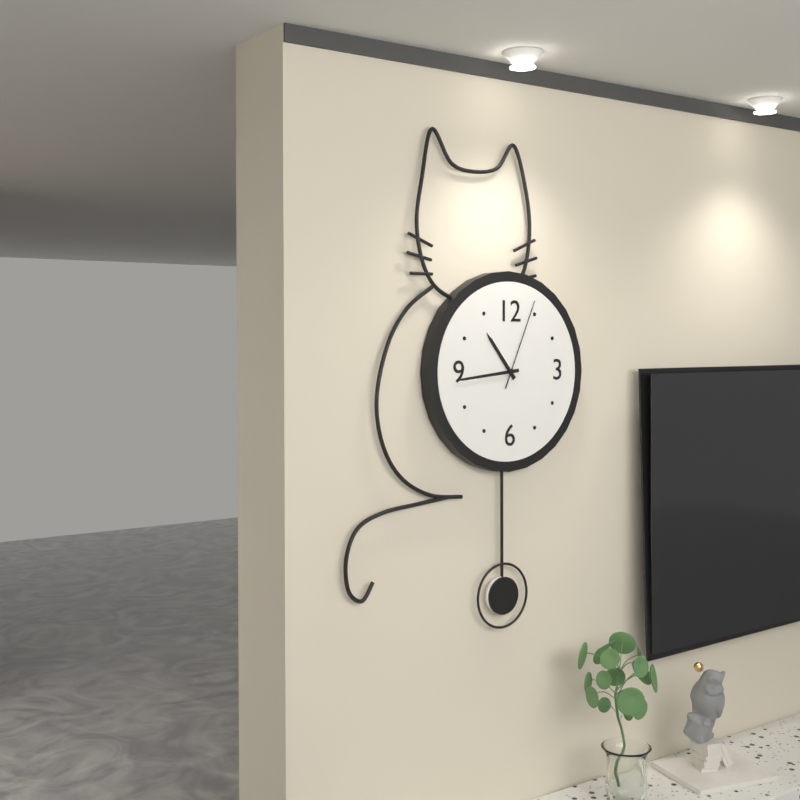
10:44:04
